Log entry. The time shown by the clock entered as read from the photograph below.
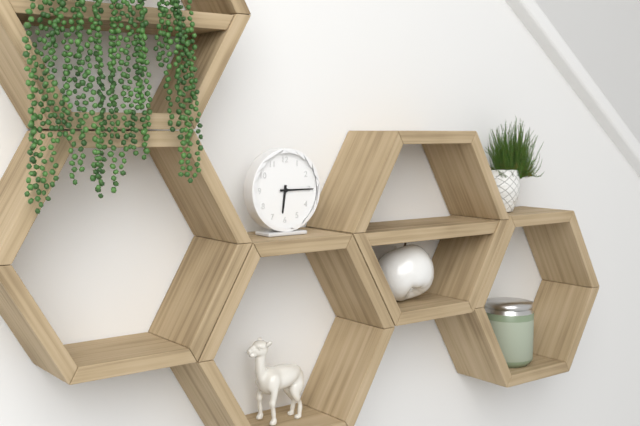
6:15
